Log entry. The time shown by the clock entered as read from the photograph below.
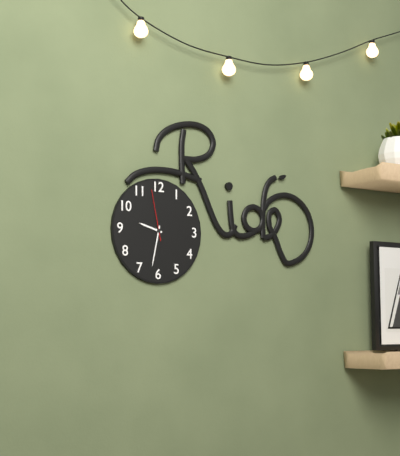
9:32:58
